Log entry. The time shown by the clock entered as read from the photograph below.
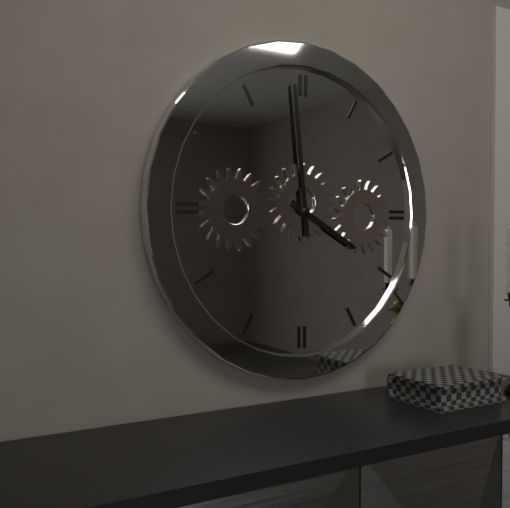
3:59
